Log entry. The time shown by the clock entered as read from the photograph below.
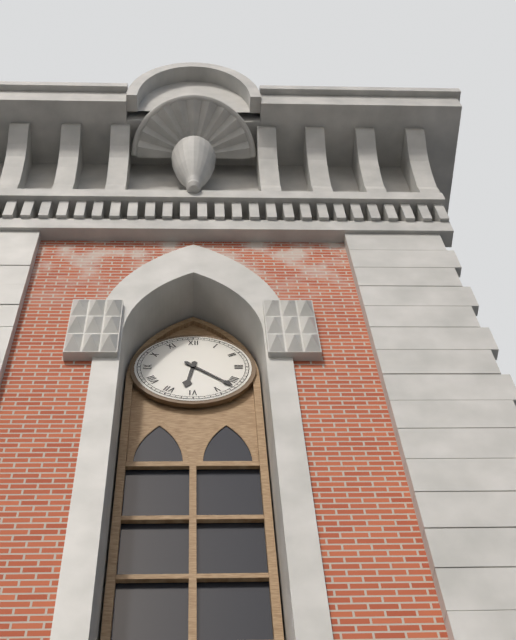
6:22
